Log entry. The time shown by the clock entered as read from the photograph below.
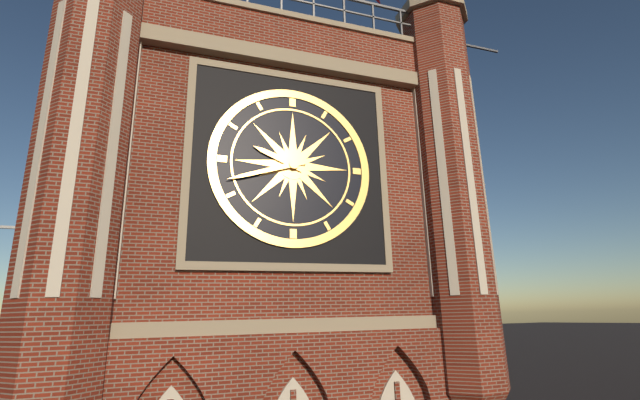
9:42
